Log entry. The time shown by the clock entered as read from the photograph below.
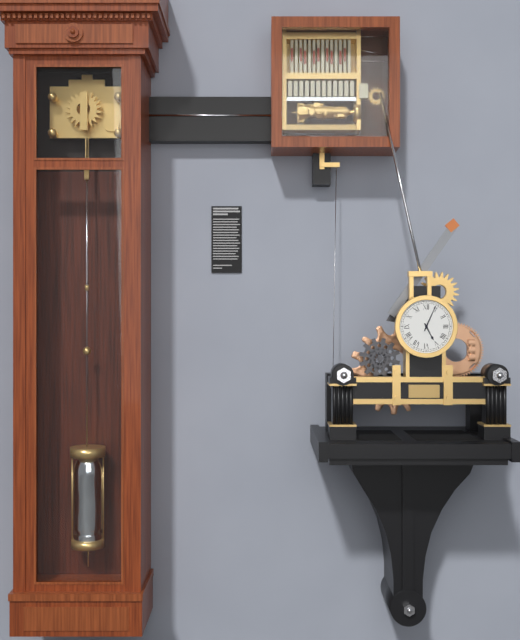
5:04
